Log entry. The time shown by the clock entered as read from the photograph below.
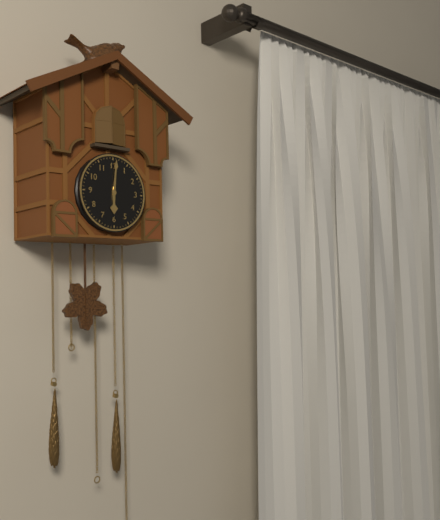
6:01
